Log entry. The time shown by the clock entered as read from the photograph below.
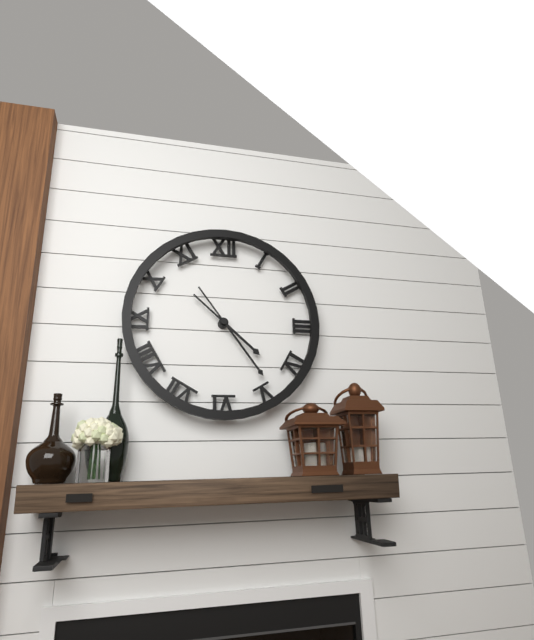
4:24
